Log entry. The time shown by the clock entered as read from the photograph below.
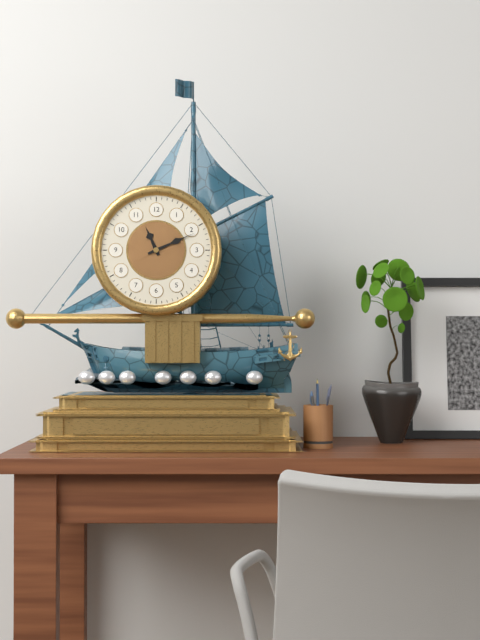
11:11
